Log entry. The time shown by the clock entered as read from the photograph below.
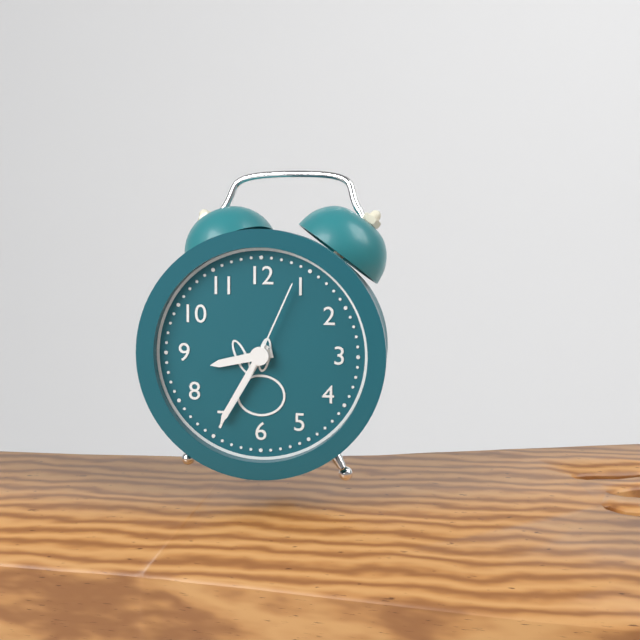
8:35:04
